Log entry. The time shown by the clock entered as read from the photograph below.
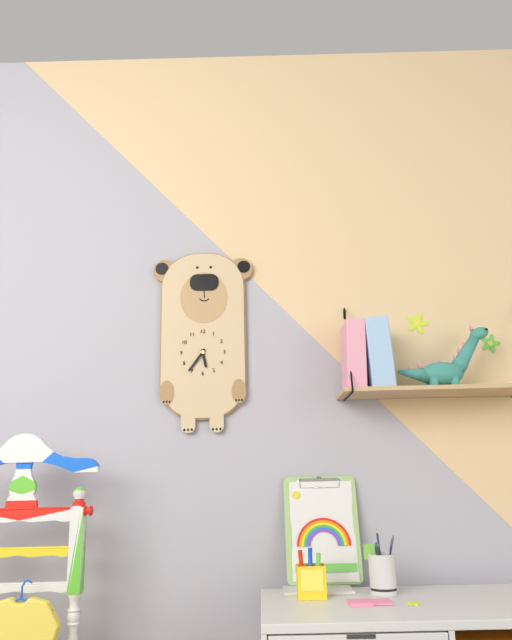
5:36
